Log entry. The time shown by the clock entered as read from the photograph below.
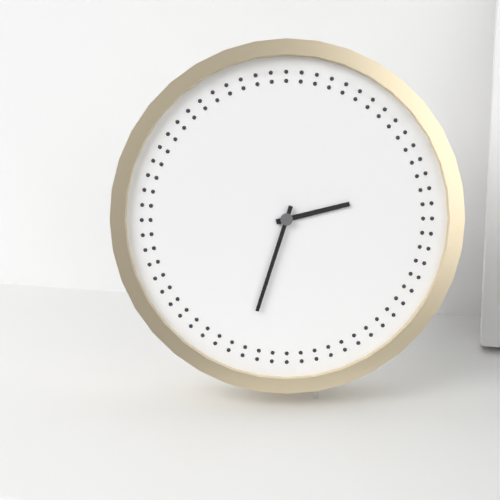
2:33
